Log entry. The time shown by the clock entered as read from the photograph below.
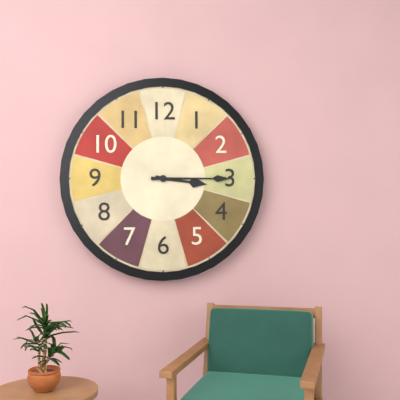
3:15
